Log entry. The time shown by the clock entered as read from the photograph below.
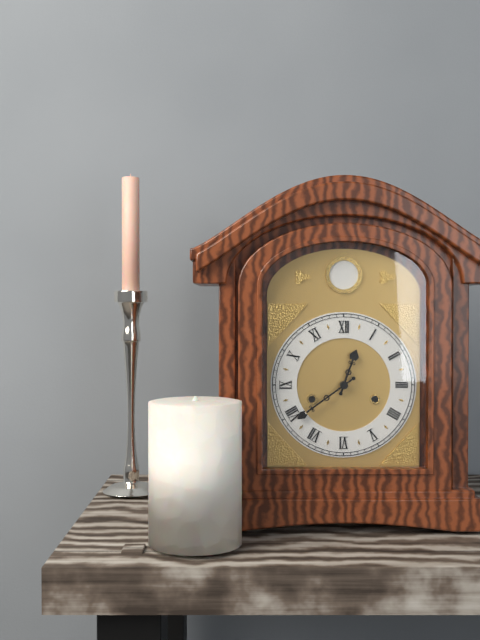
12:39
